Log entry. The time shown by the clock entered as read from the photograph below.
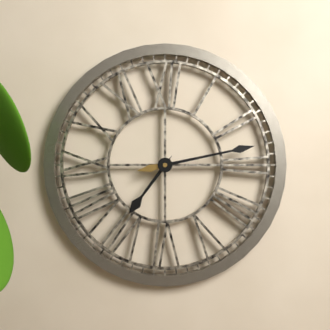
7:13
